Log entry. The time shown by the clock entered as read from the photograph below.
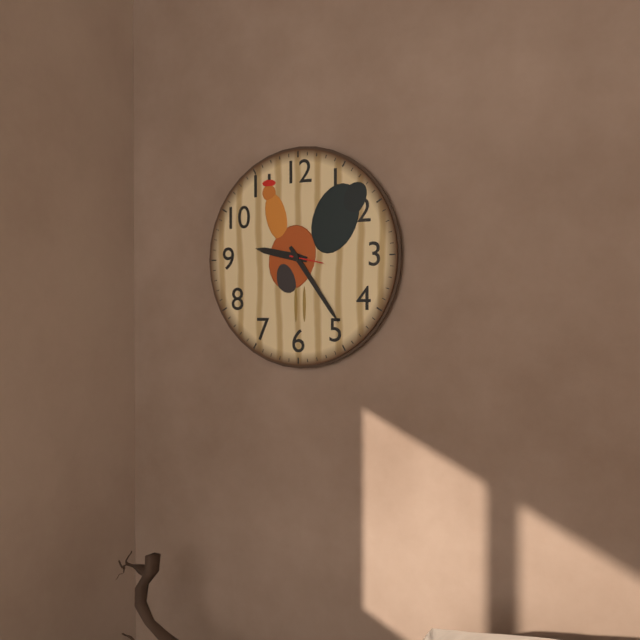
9:24
